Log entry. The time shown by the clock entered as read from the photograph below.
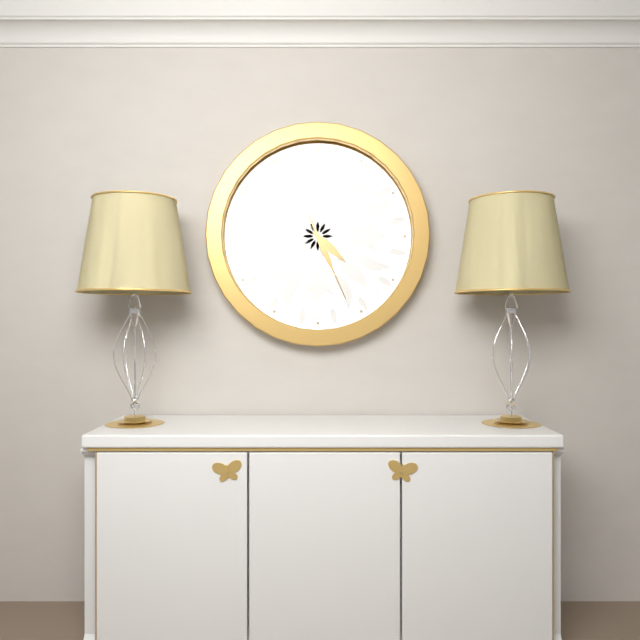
4:26
